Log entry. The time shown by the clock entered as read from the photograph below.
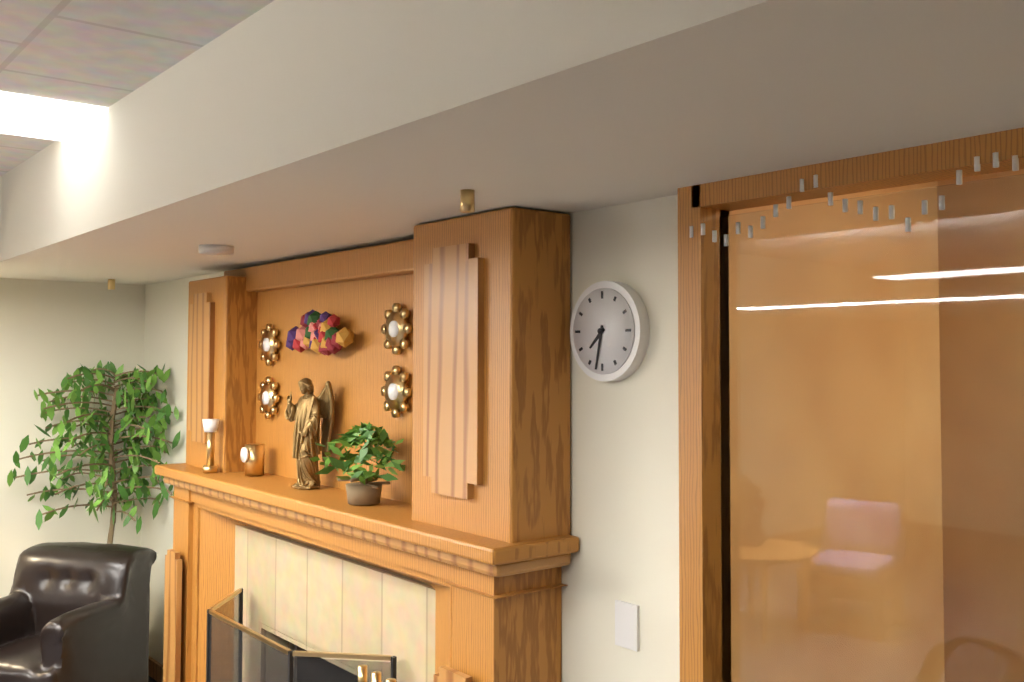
7:32
